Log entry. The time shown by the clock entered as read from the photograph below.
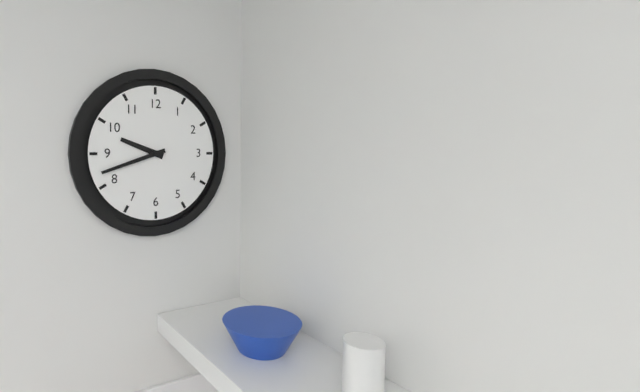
9:42
